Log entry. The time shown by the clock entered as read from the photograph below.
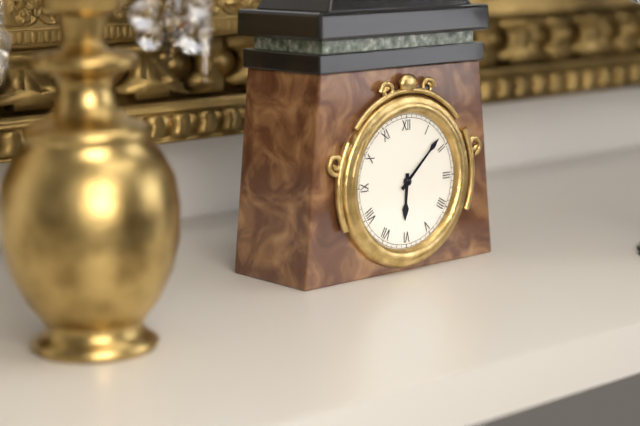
6:08
